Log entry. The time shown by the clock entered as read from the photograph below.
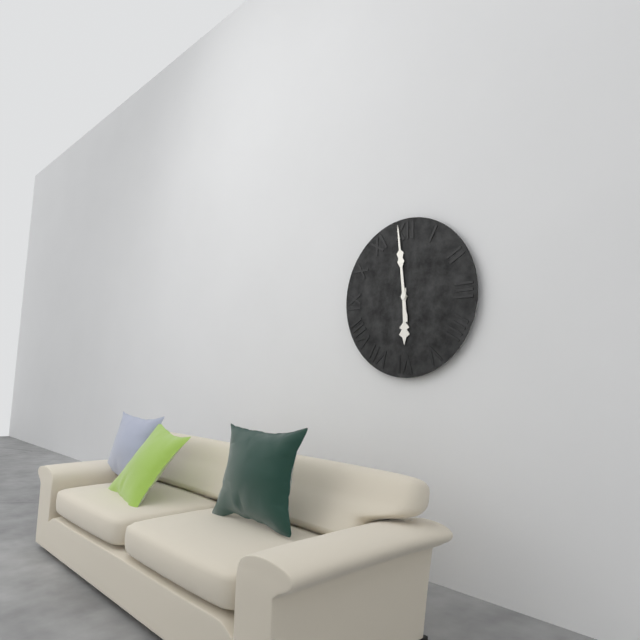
5:59
